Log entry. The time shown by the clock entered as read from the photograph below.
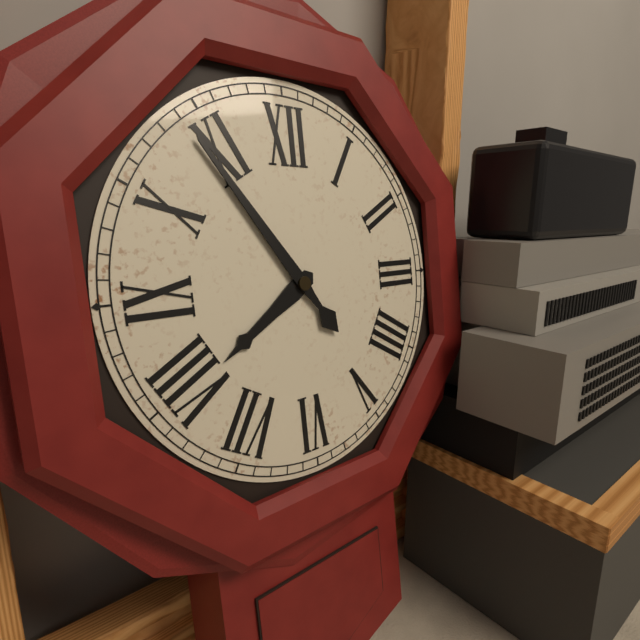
7:54
